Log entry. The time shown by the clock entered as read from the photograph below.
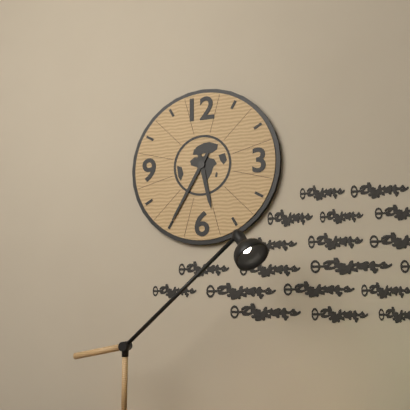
5:35
